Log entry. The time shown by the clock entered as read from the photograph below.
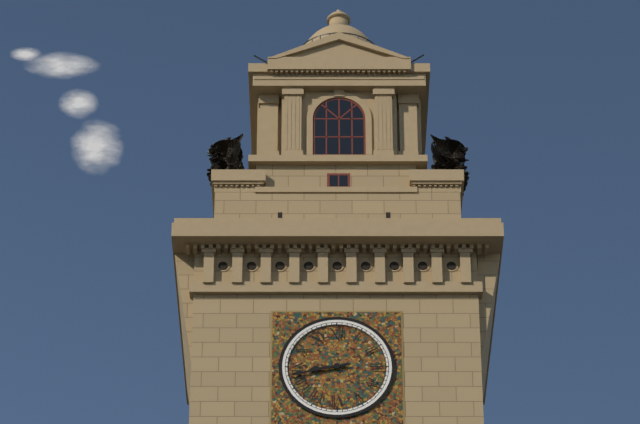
8:43
